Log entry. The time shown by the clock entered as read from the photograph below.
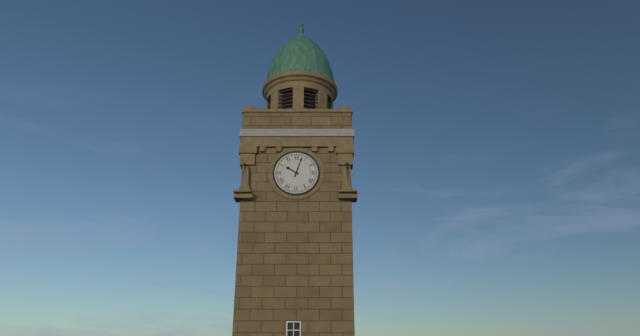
10:03
